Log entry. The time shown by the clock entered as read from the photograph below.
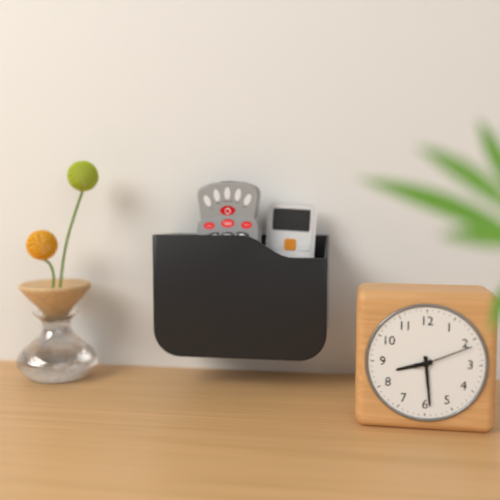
8:29:11
